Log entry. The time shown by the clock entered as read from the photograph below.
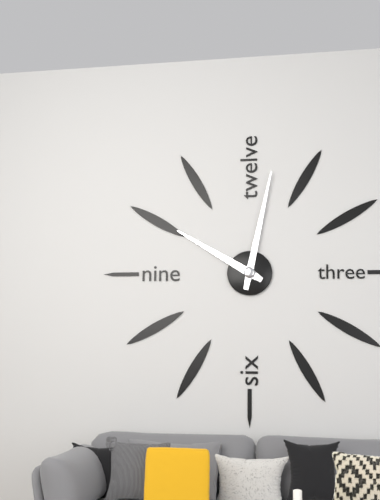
10:02
